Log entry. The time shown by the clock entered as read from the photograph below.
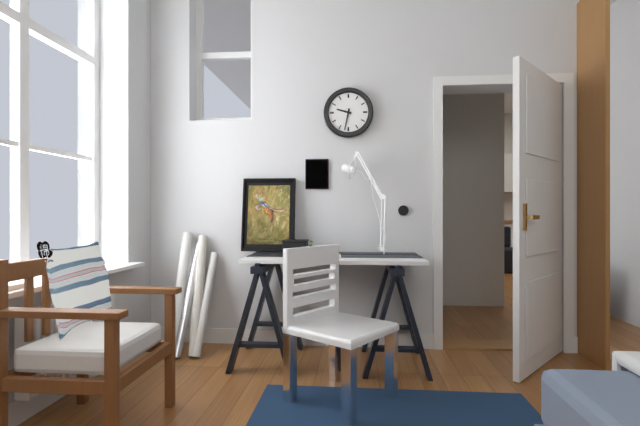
9:32
